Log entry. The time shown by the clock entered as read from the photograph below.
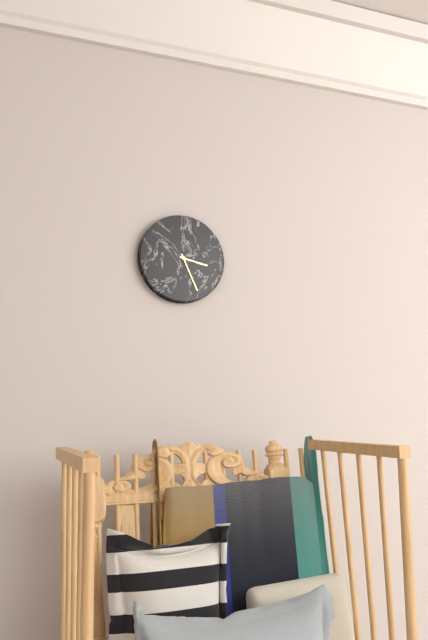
3:26
